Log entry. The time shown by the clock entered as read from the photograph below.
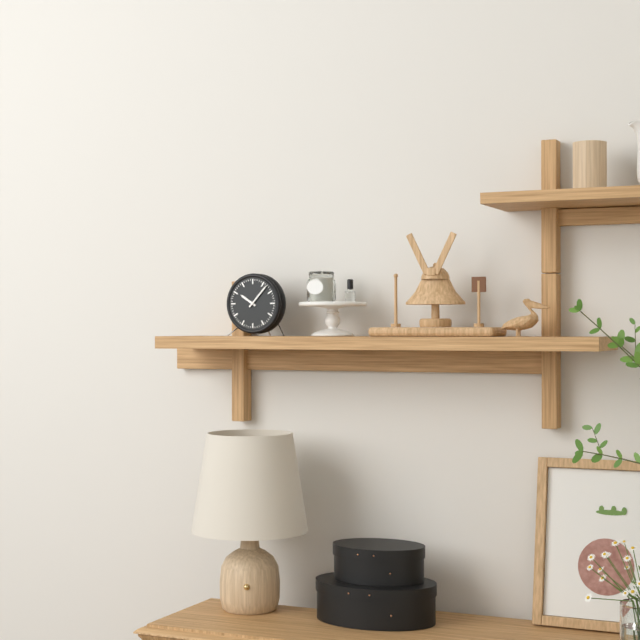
10:07
